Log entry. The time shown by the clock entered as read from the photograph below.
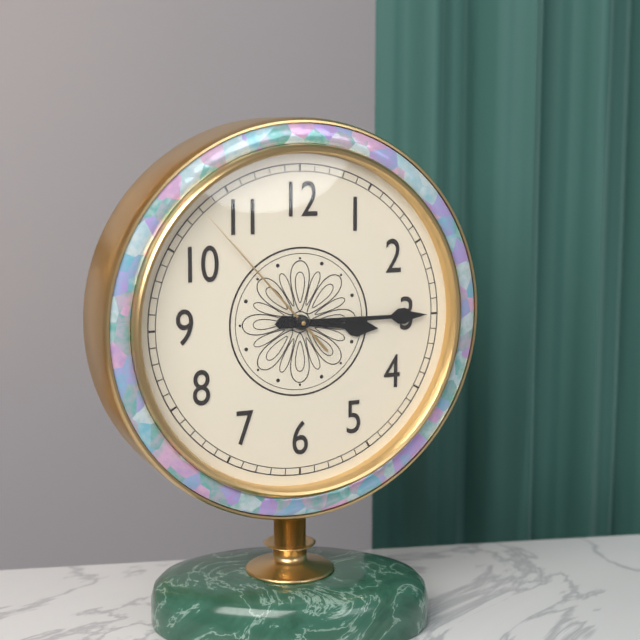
3:15:53
